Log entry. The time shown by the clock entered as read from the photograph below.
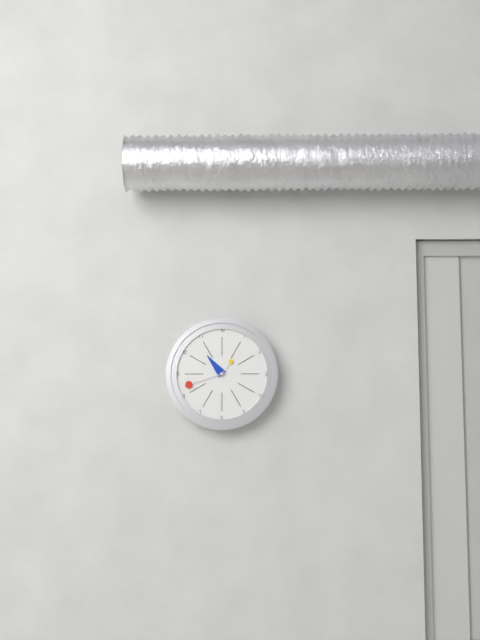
10:42
